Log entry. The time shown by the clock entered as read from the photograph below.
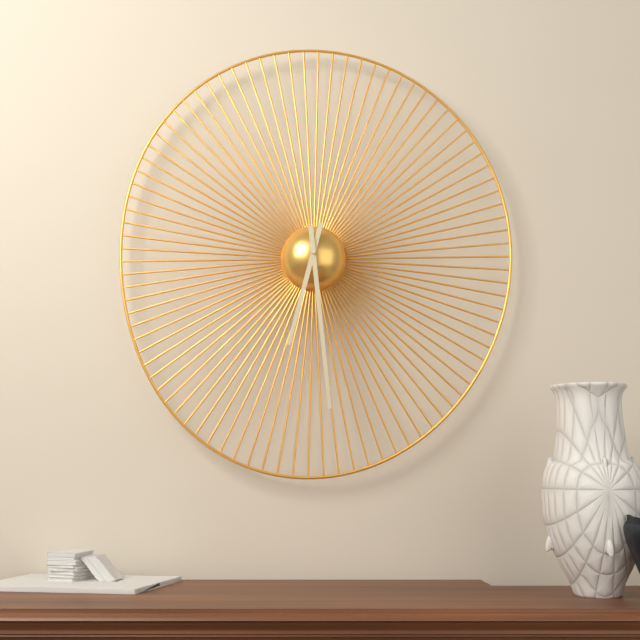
6:29
